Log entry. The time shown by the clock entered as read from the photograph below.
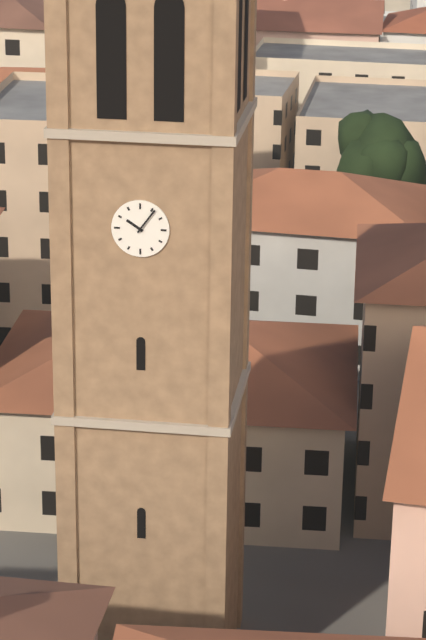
10:06
